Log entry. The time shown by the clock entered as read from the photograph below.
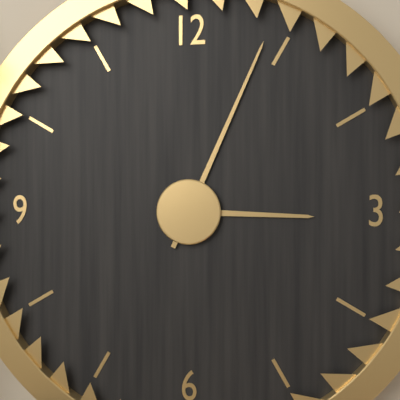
3:04
